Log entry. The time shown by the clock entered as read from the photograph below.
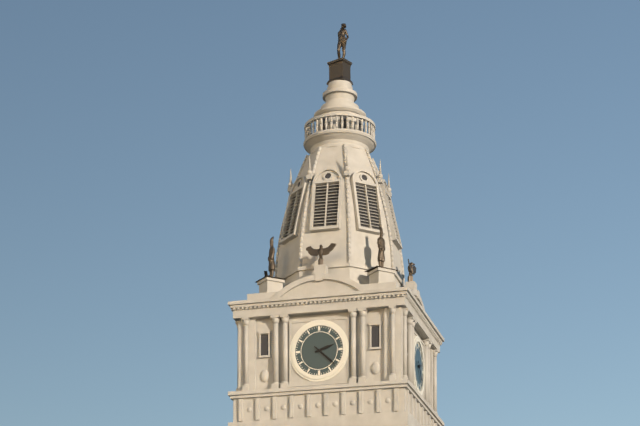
2:22
